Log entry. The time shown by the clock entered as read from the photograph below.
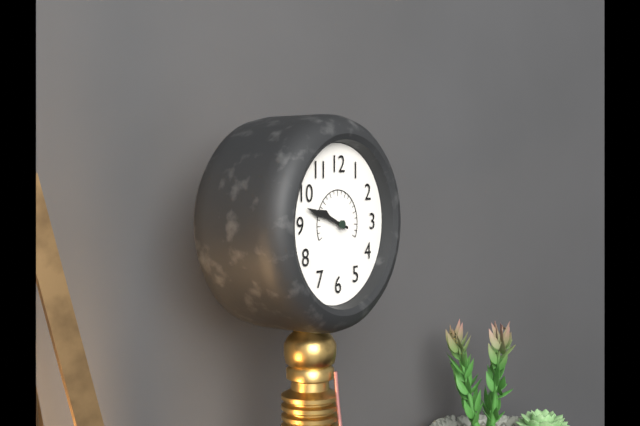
9:48
